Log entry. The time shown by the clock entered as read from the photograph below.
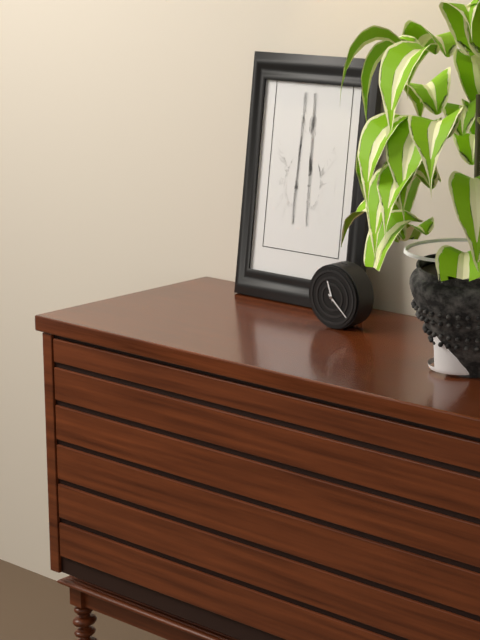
11:22
